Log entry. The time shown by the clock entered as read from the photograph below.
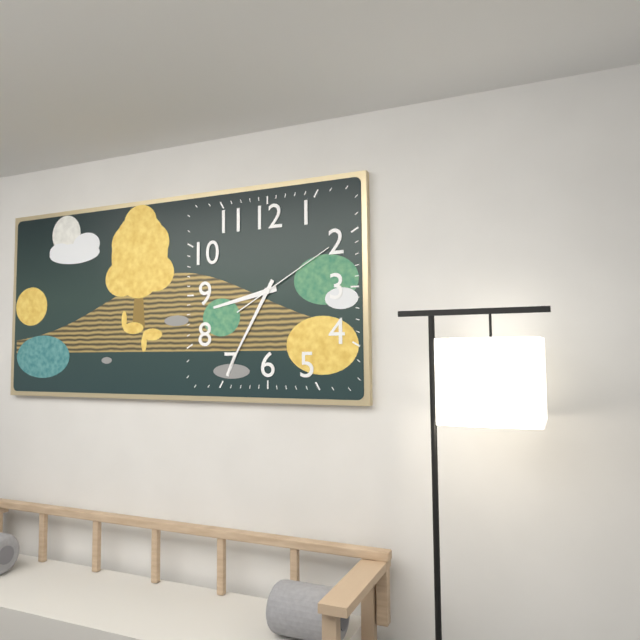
8:35:10
